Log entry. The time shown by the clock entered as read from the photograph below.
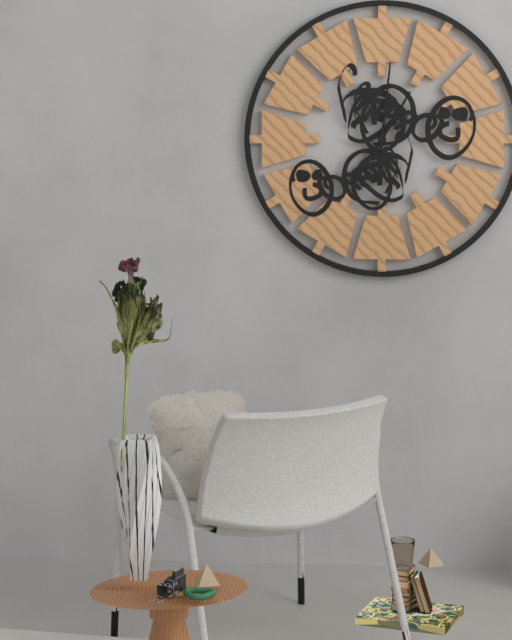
1:01
